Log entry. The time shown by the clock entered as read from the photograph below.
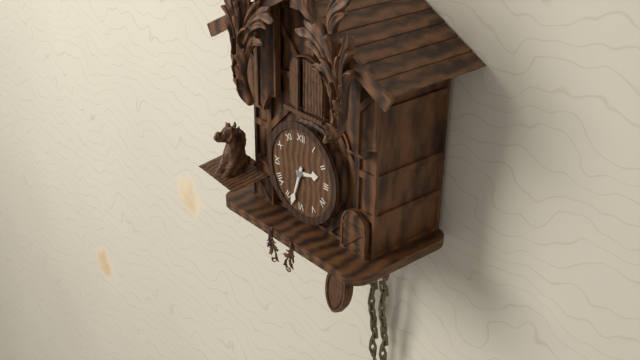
2:33
